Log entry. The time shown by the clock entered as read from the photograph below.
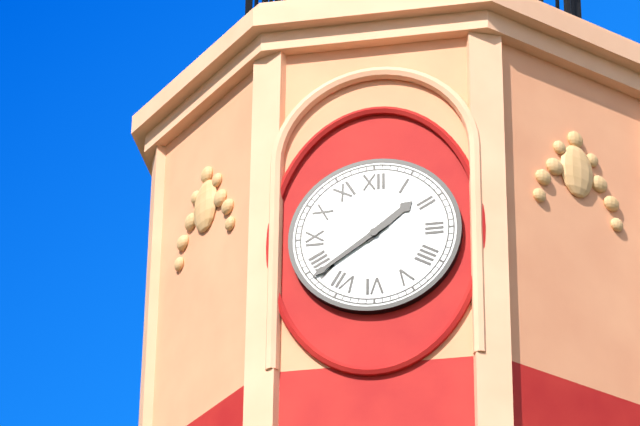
1:39
